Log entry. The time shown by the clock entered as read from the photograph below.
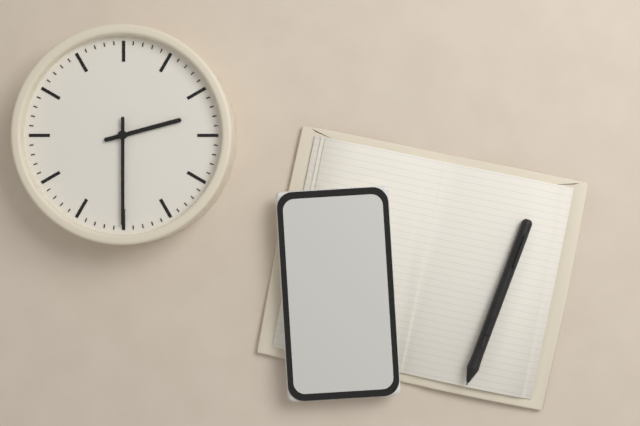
2:30
